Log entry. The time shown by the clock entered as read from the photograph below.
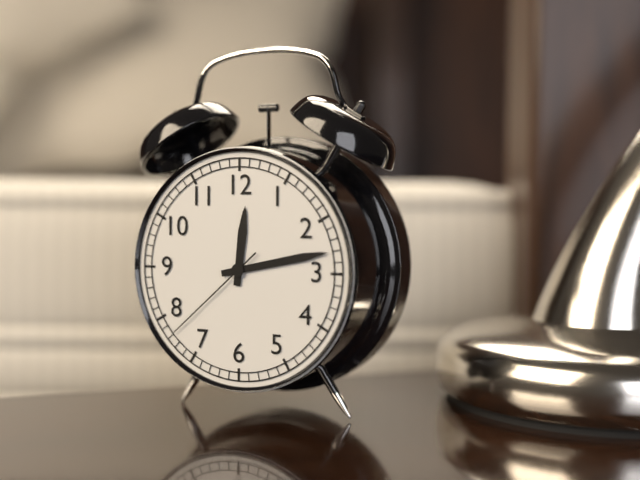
12:13:38
